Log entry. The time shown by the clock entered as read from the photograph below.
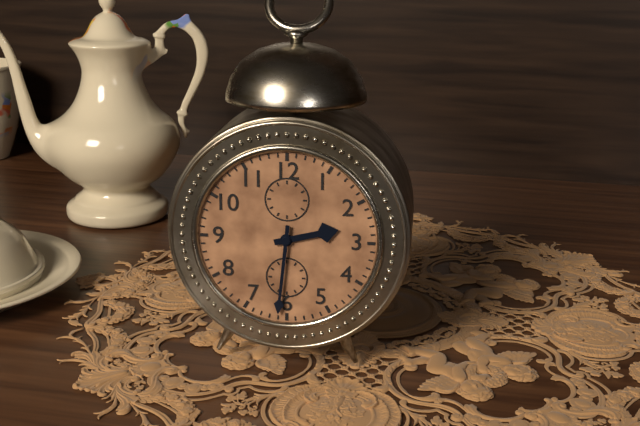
2:31
